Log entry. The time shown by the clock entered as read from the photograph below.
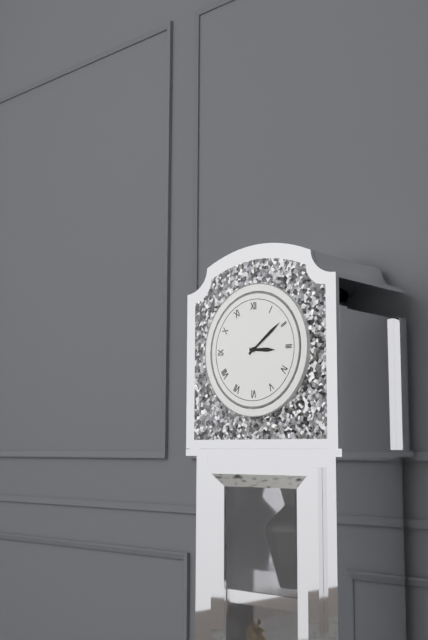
3:09
